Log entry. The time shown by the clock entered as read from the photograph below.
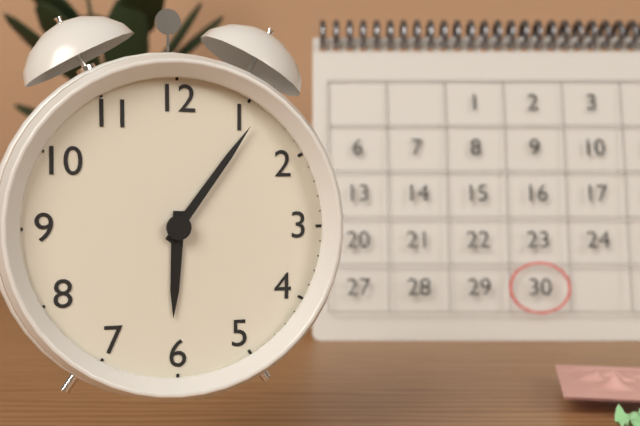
6:06
